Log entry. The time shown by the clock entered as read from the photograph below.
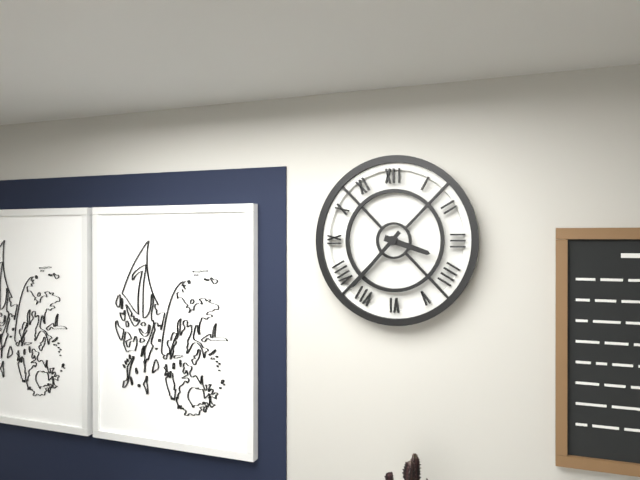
3:37
